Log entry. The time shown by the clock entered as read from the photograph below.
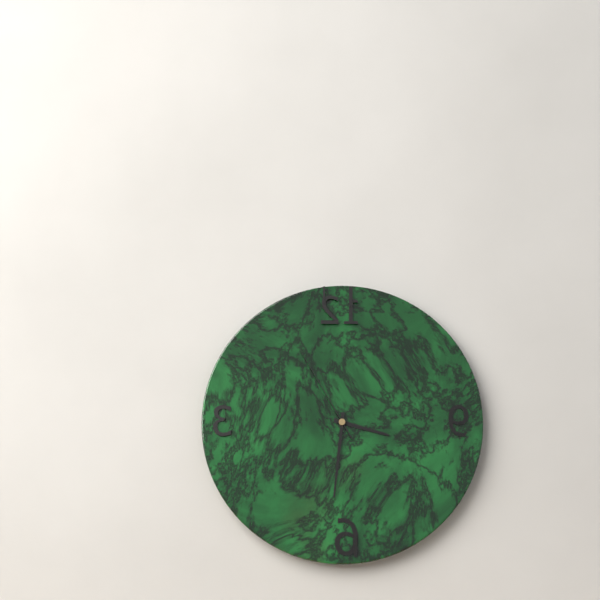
3:31:55
